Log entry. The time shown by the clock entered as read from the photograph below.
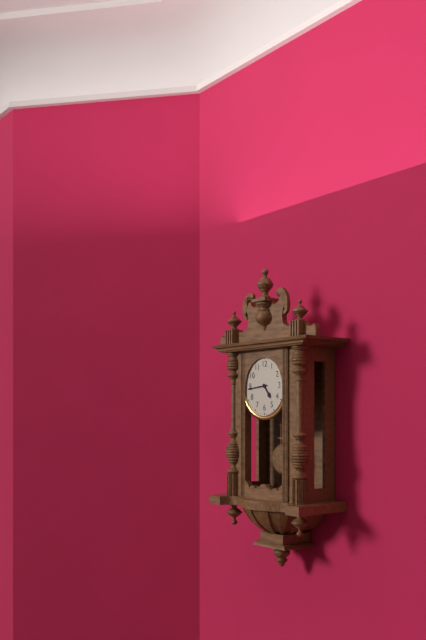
4:44
